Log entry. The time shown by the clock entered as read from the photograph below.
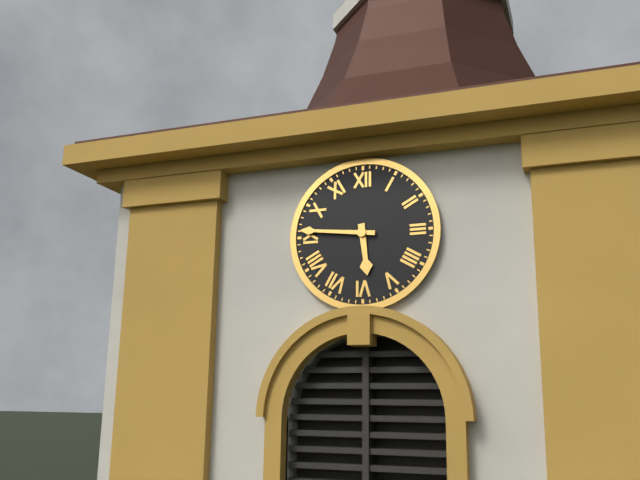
5:46
